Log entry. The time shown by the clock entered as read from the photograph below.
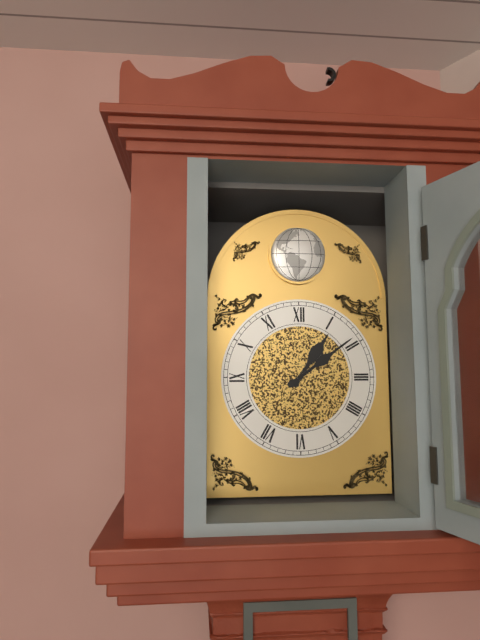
1:09
